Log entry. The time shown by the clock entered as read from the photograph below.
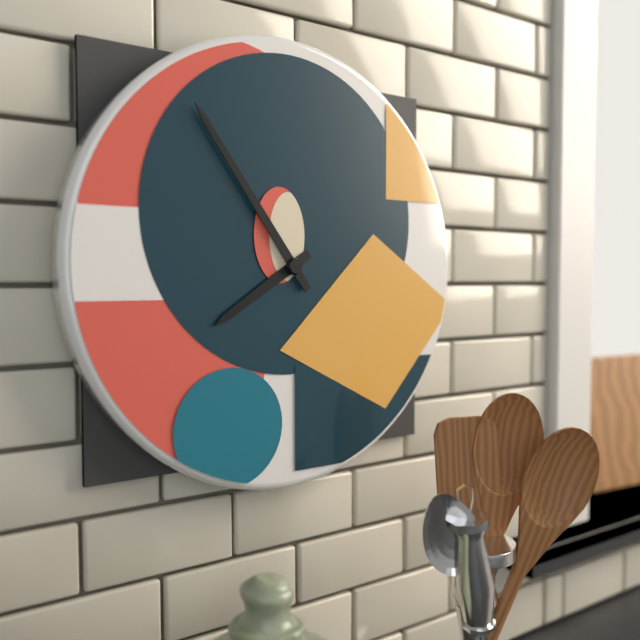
7:54
